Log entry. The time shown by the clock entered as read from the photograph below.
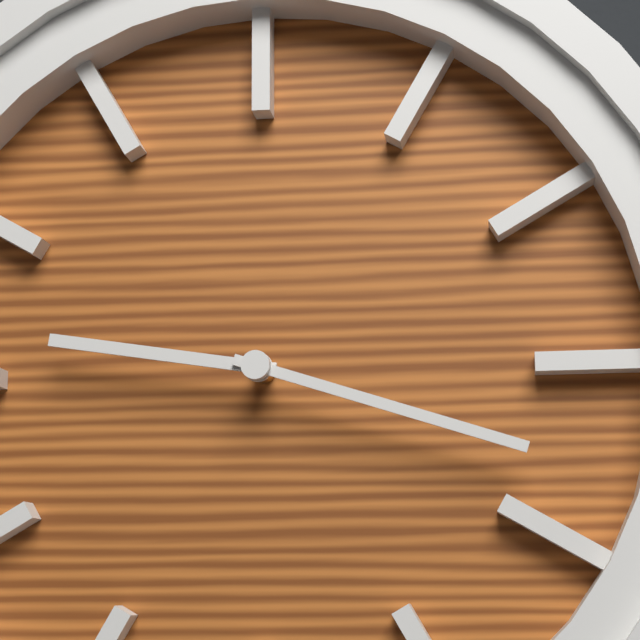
9:18
